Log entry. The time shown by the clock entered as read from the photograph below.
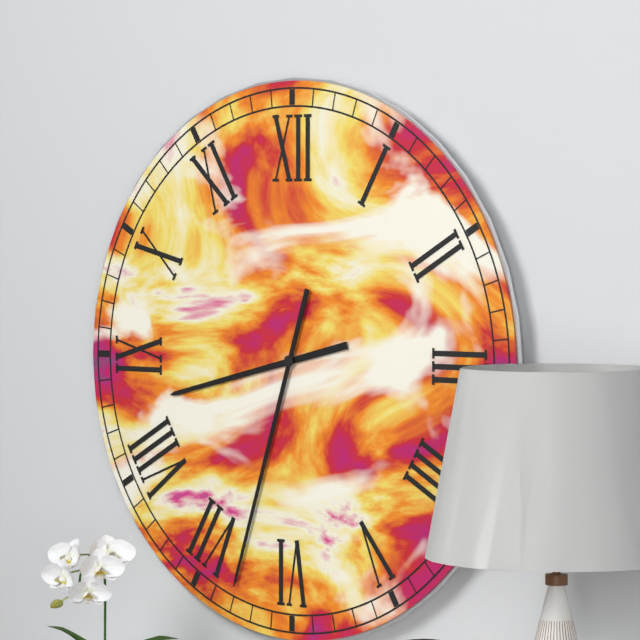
8:33
